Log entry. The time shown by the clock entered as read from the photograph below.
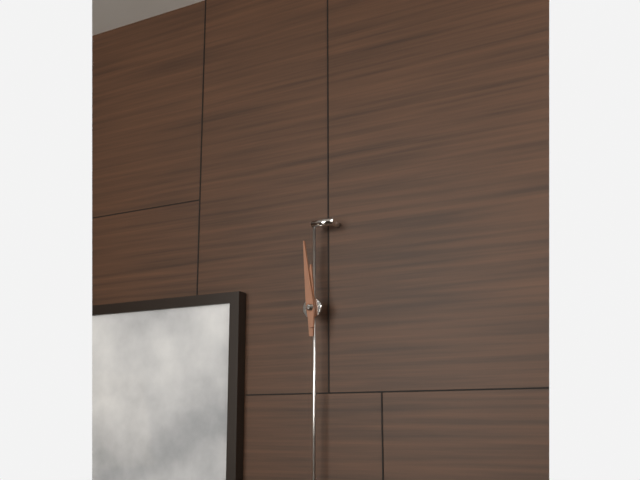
11:59
